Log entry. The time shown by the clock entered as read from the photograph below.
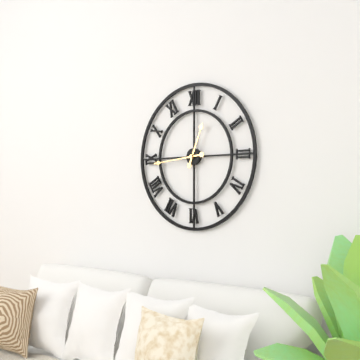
12:44
